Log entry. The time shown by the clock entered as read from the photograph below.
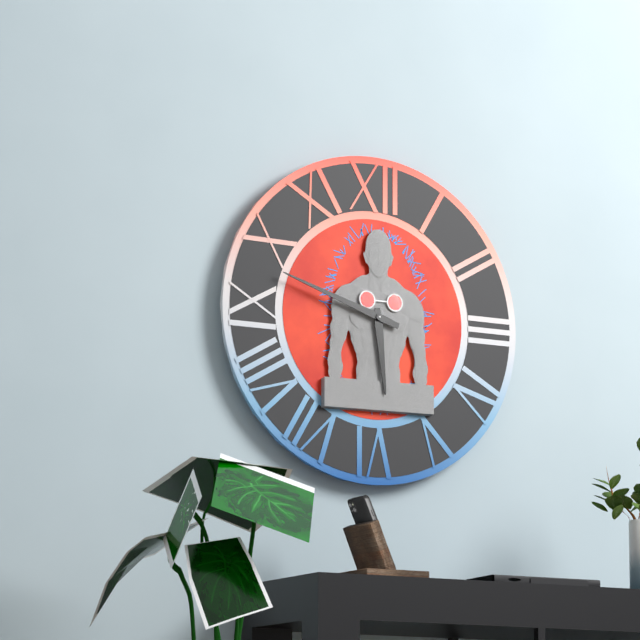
5:48
